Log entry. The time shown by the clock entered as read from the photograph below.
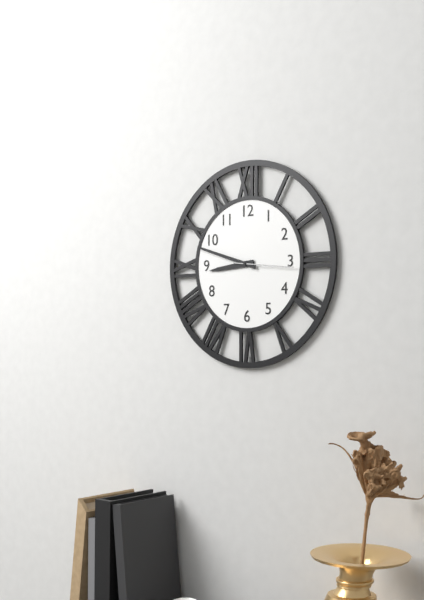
8:48:16
